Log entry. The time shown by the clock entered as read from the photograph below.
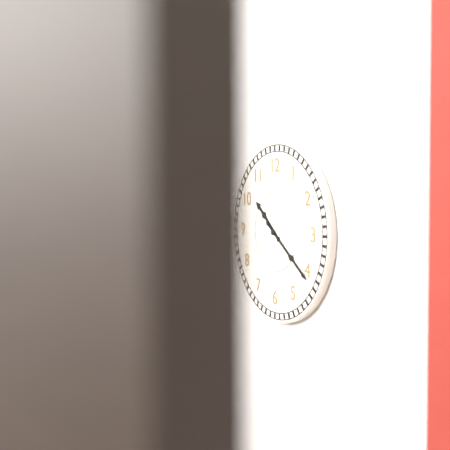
10:21
